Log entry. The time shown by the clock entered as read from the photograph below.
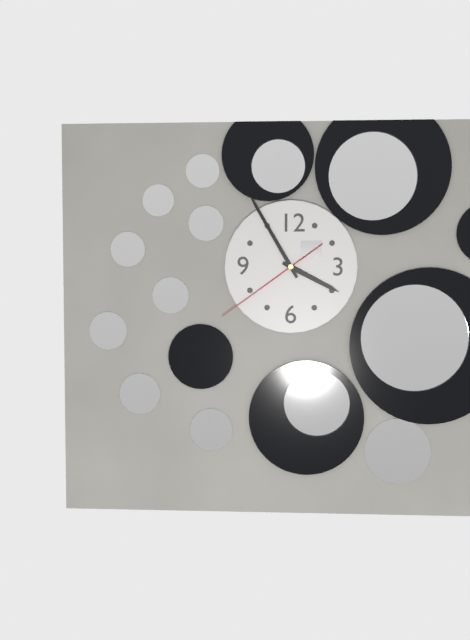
3:55:39
